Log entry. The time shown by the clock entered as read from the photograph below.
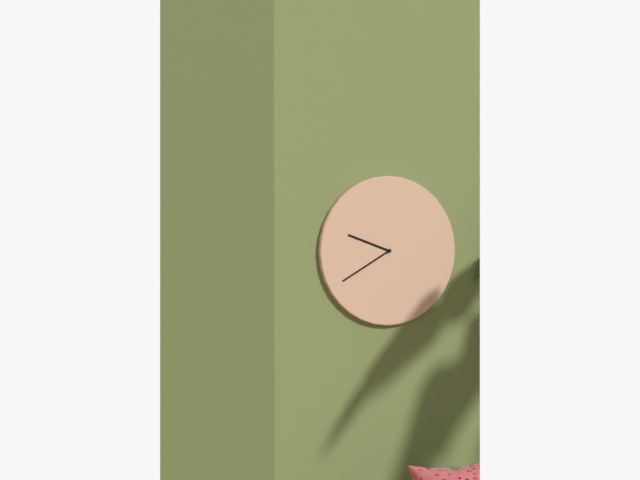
9:40
